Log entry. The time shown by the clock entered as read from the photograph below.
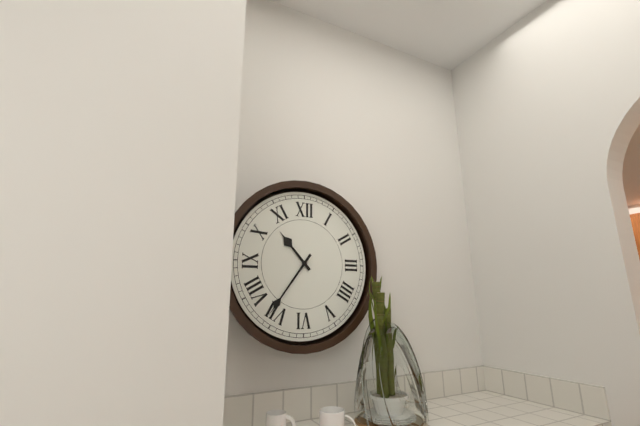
10:36
